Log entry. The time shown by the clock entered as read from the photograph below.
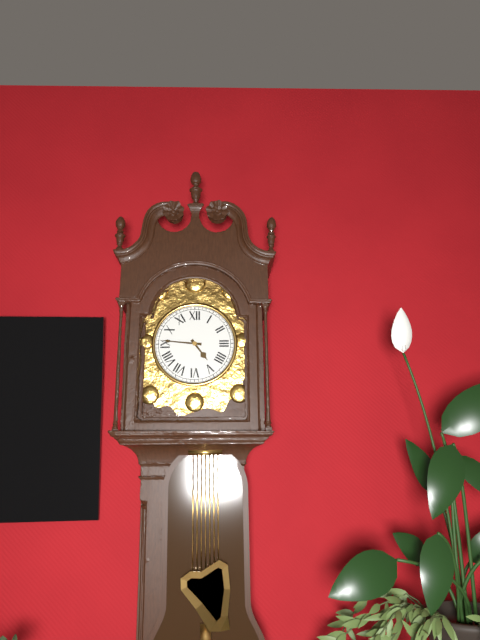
4:46
